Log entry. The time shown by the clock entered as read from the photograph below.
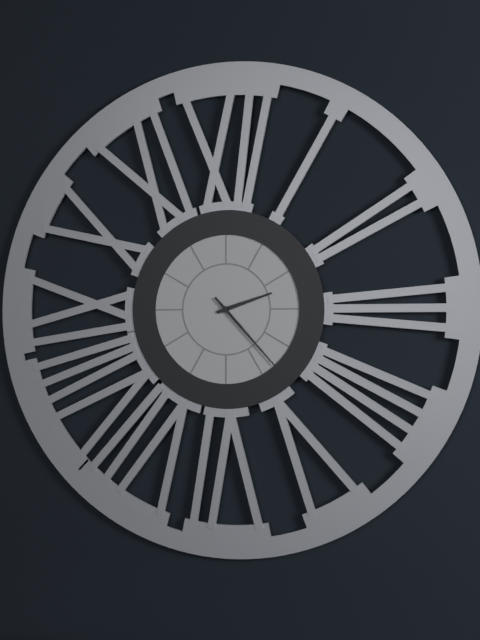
2:23
